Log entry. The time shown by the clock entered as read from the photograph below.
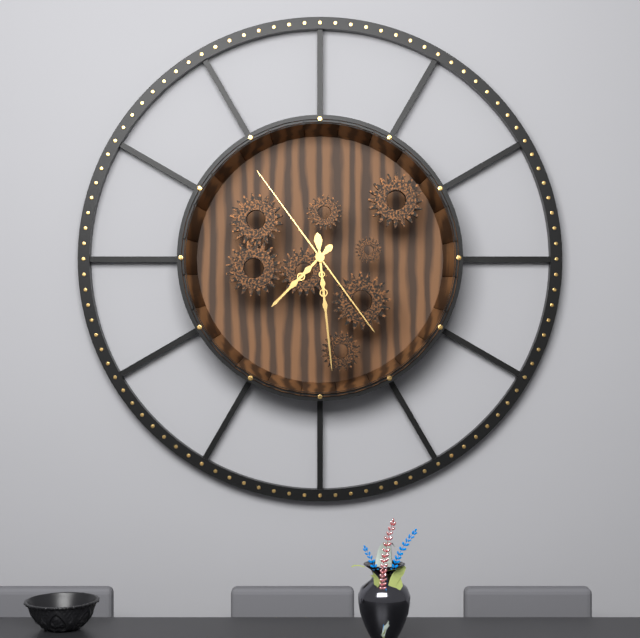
7:29:54
